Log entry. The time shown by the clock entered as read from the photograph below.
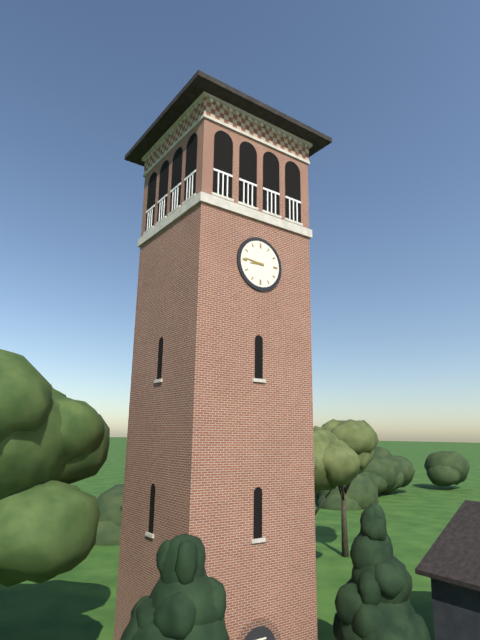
8:46
